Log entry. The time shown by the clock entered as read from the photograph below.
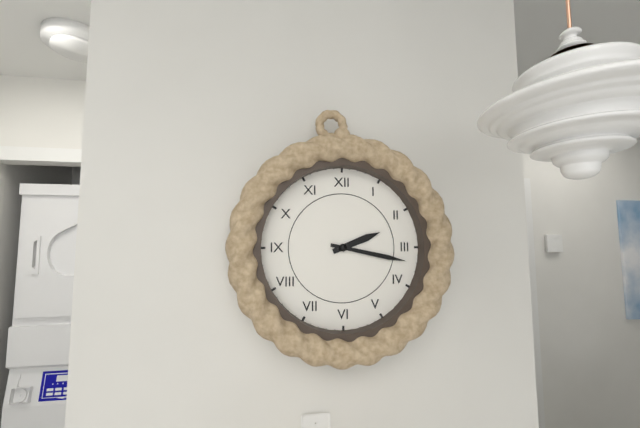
2:17
